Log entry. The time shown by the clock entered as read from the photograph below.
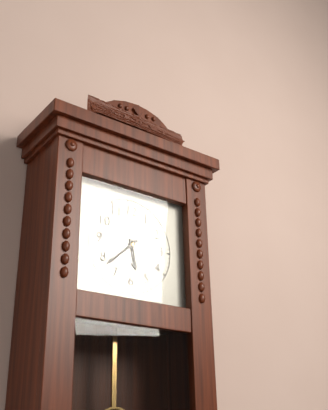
5:38
